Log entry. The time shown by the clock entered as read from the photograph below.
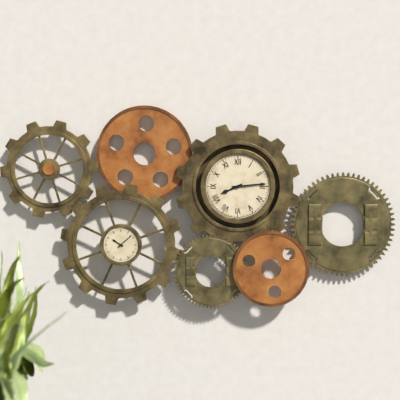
8:14
